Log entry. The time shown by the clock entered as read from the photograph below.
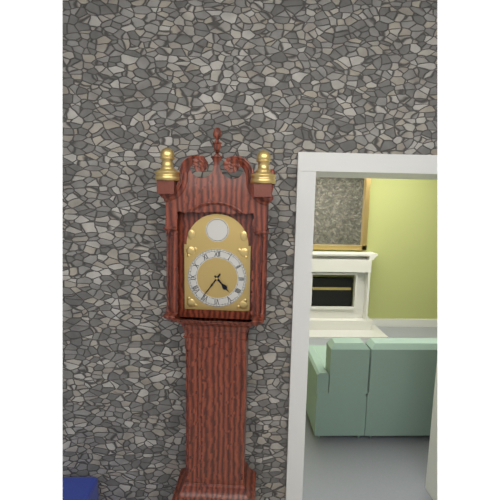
4:36
